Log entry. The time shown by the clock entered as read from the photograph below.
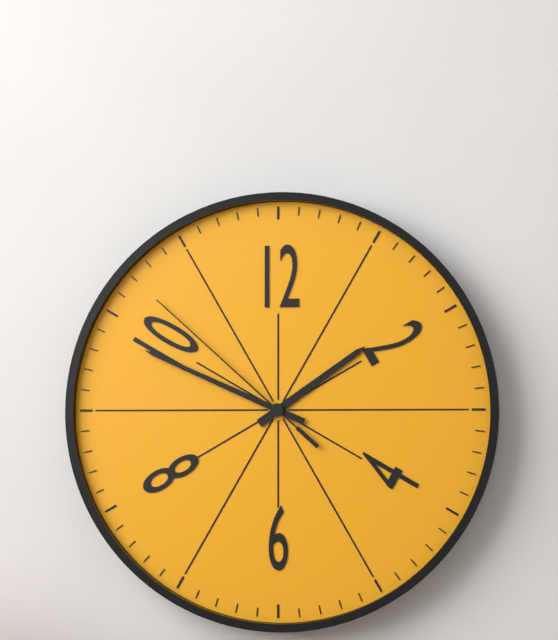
1:49:52
